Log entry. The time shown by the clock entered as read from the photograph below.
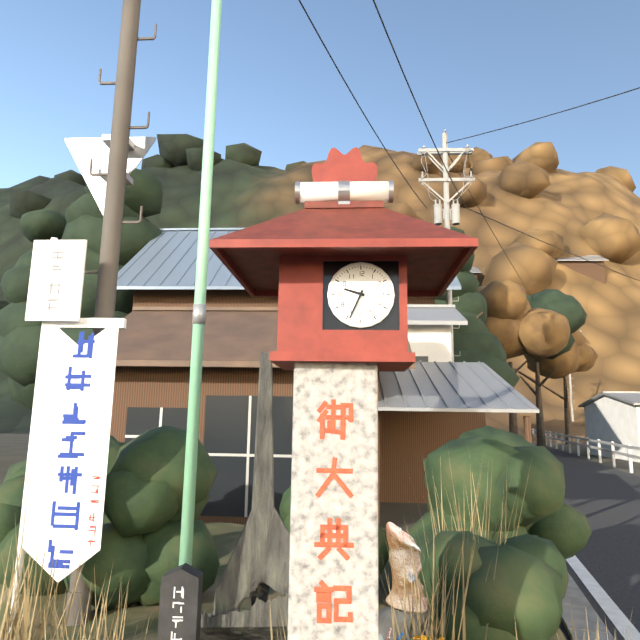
9:34
